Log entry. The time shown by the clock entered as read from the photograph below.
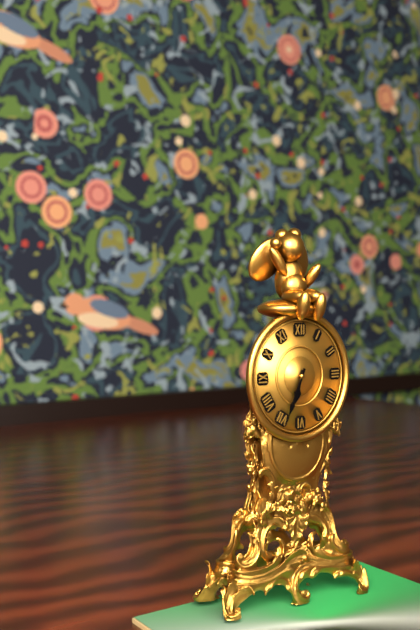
6:34
